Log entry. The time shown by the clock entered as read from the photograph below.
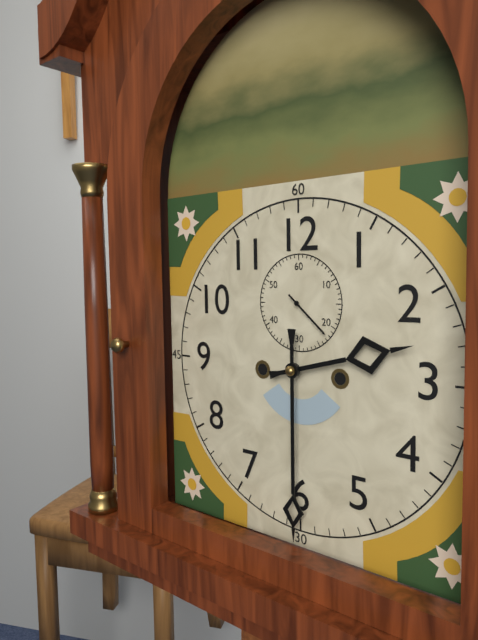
2:30:22
